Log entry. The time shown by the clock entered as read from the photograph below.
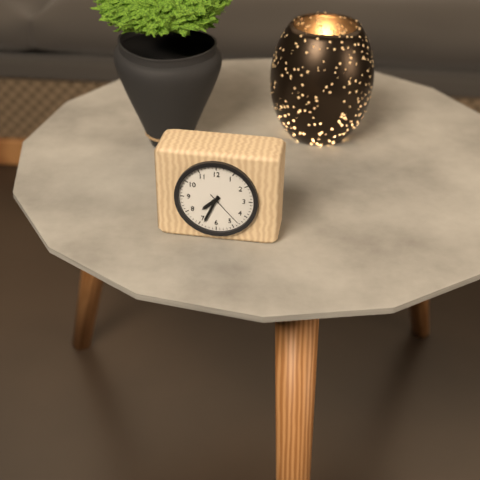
7:34
